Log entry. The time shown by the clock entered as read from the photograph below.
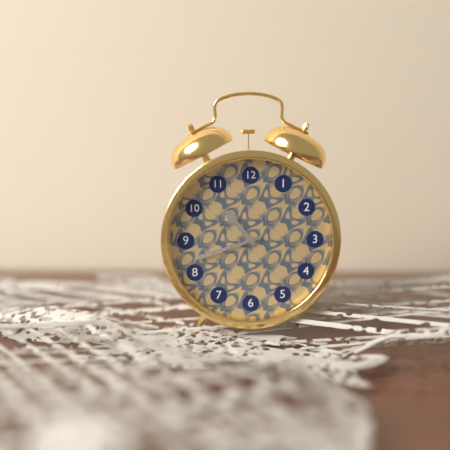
10:42
